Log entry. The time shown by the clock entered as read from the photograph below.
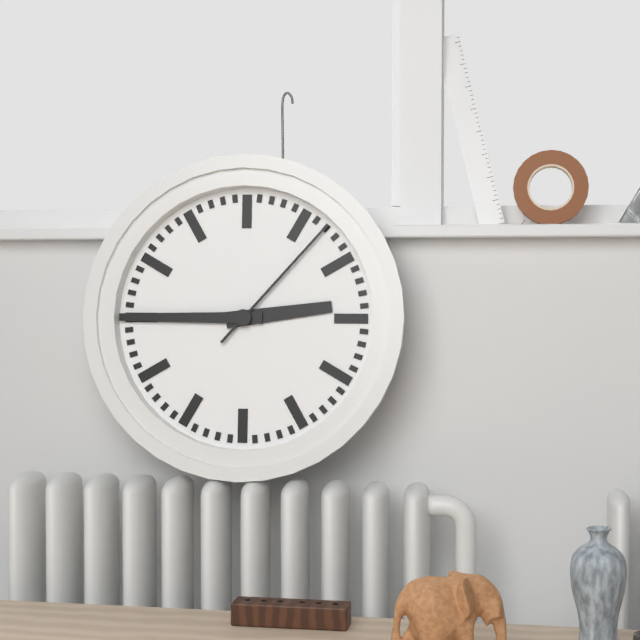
2:45:07
